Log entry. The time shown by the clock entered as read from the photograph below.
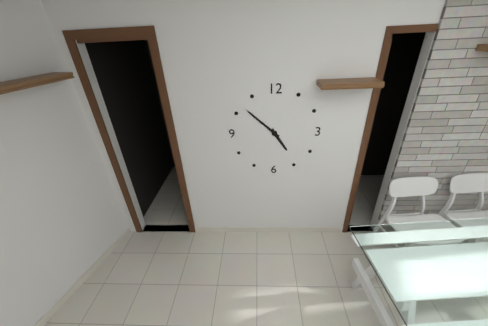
4:52
